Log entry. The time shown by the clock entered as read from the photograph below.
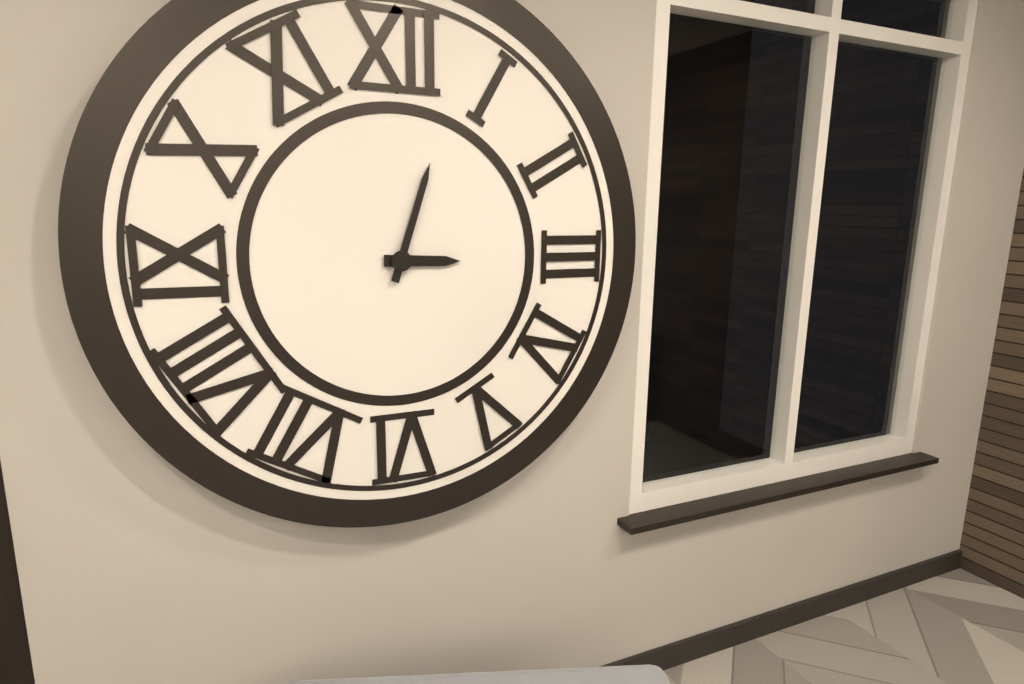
3:03
